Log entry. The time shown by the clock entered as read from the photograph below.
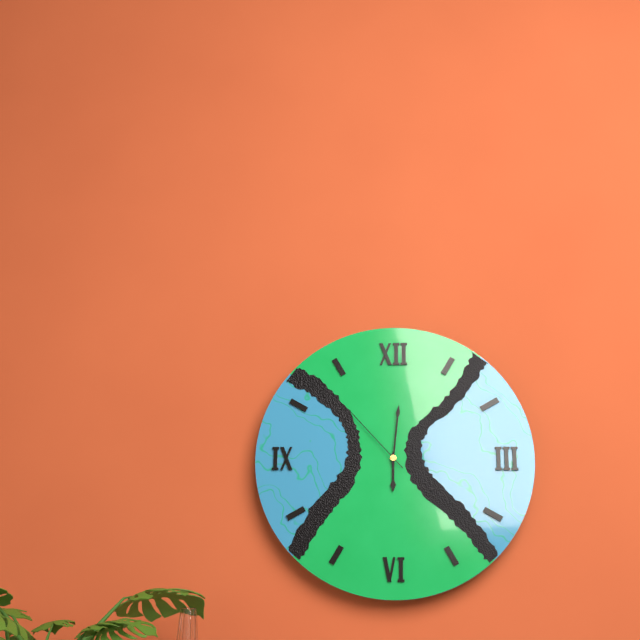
6:01:53
